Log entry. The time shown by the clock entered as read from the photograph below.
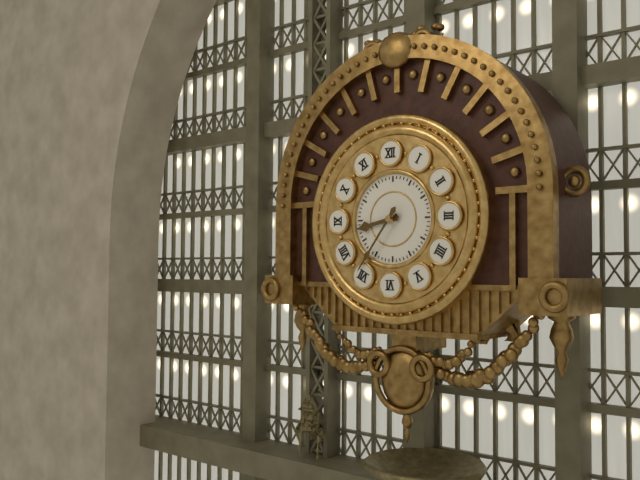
8:36
